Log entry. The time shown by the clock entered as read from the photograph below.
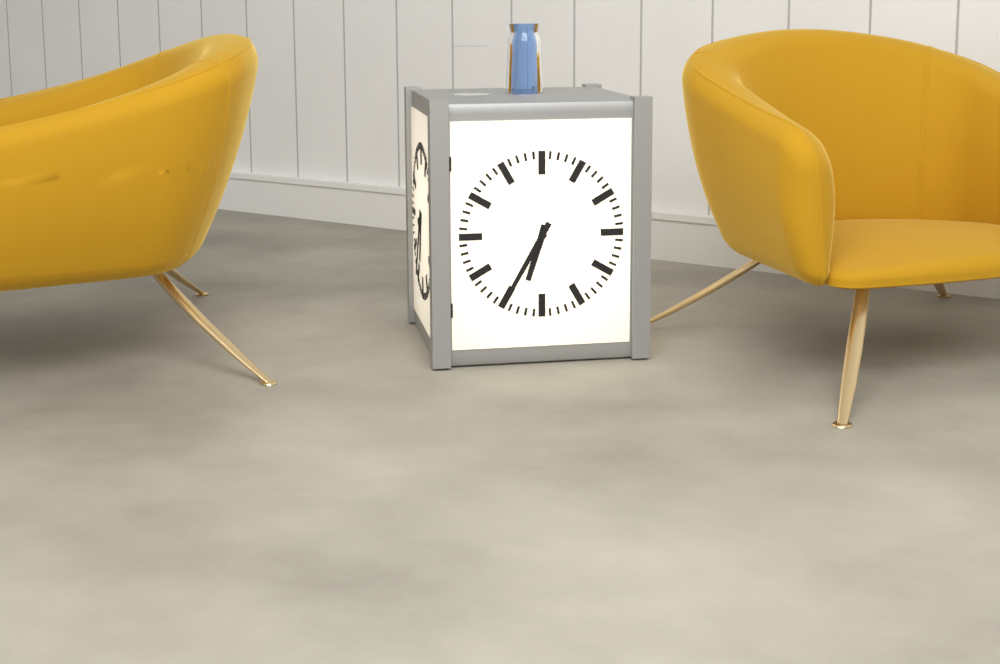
6:35
